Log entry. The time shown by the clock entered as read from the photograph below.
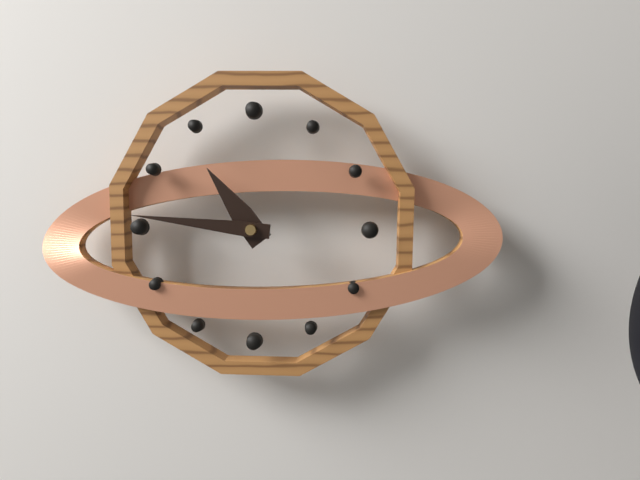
10:46
